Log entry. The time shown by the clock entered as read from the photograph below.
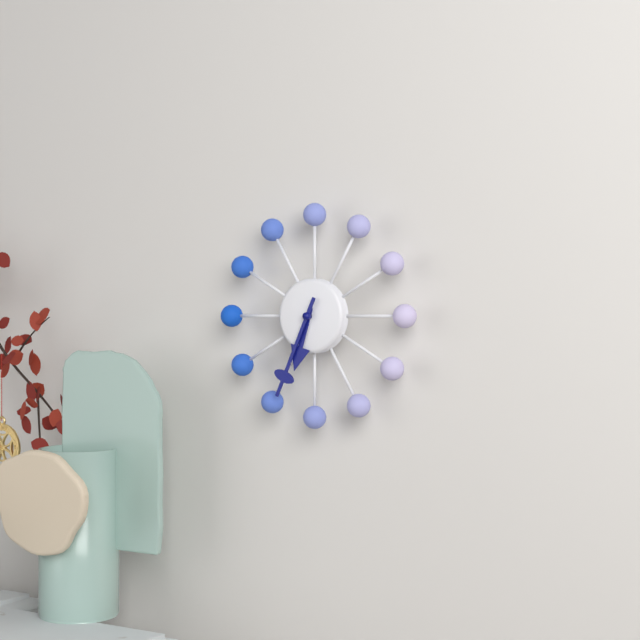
6:34
